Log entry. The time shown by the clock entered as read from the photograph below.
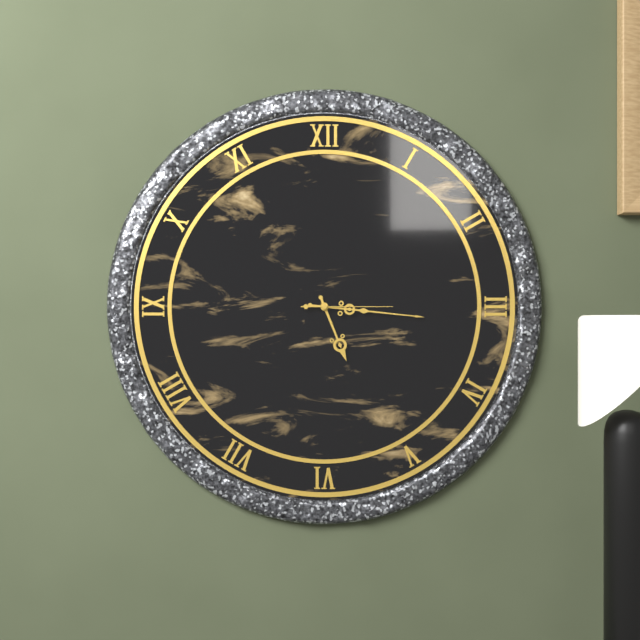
5:16:15
